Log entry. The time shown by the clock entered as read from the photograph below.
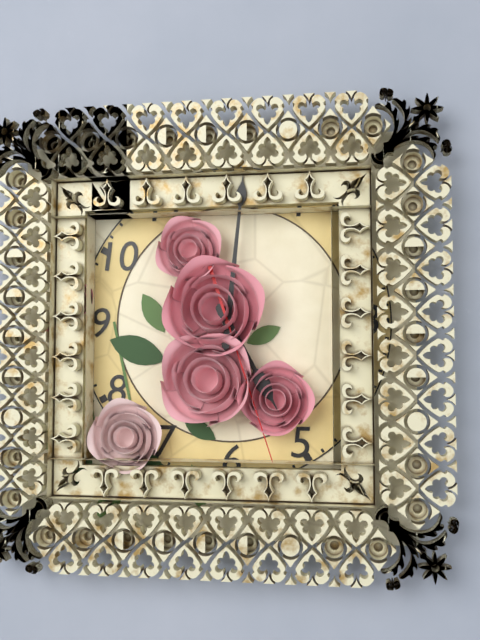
5:01:27
